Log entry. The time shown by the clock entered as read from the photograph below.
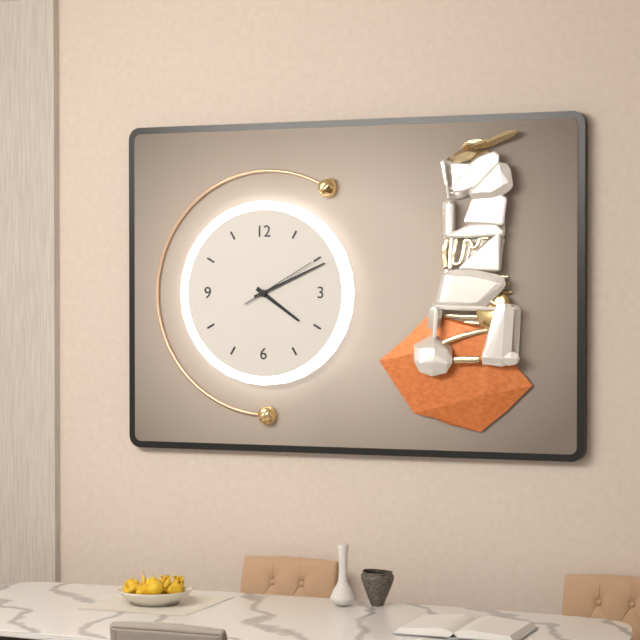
4:11:10
